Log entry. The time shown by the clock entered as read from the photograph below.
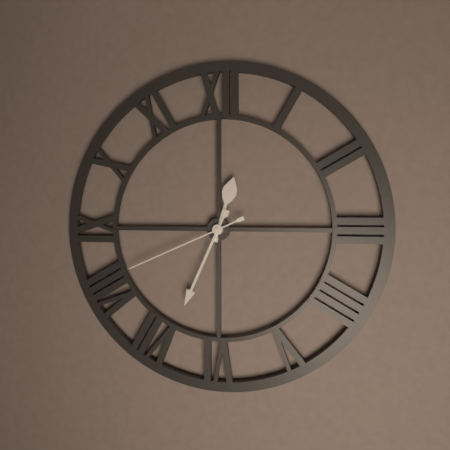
12:34:41
